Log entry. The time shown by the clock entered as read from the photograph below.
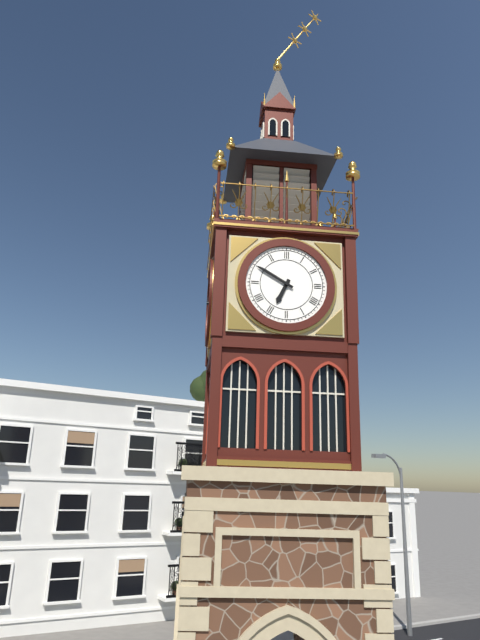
6:50
